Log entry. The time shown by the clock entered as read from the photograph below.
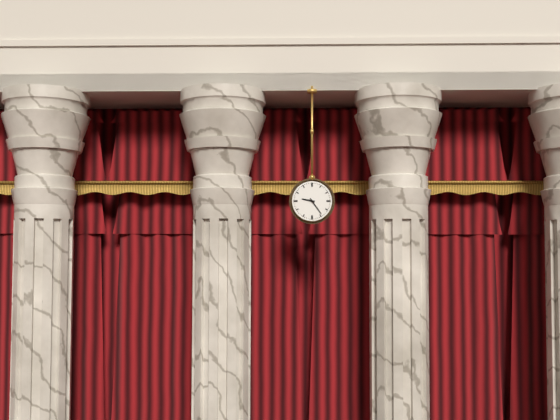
9:24
